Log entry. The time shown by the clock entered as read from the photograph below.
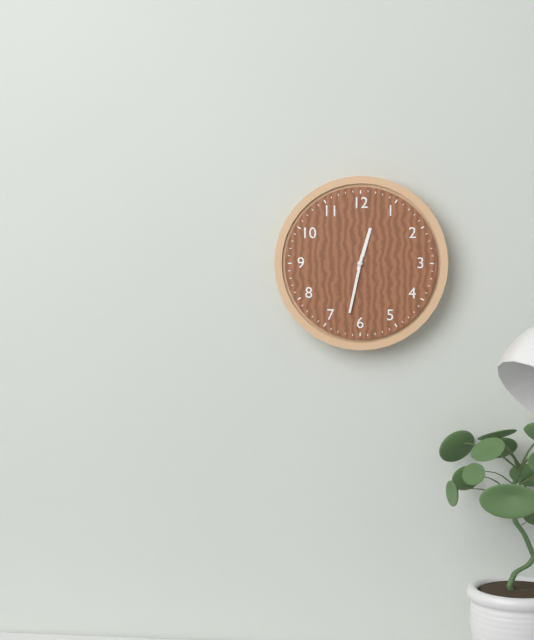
12:32
